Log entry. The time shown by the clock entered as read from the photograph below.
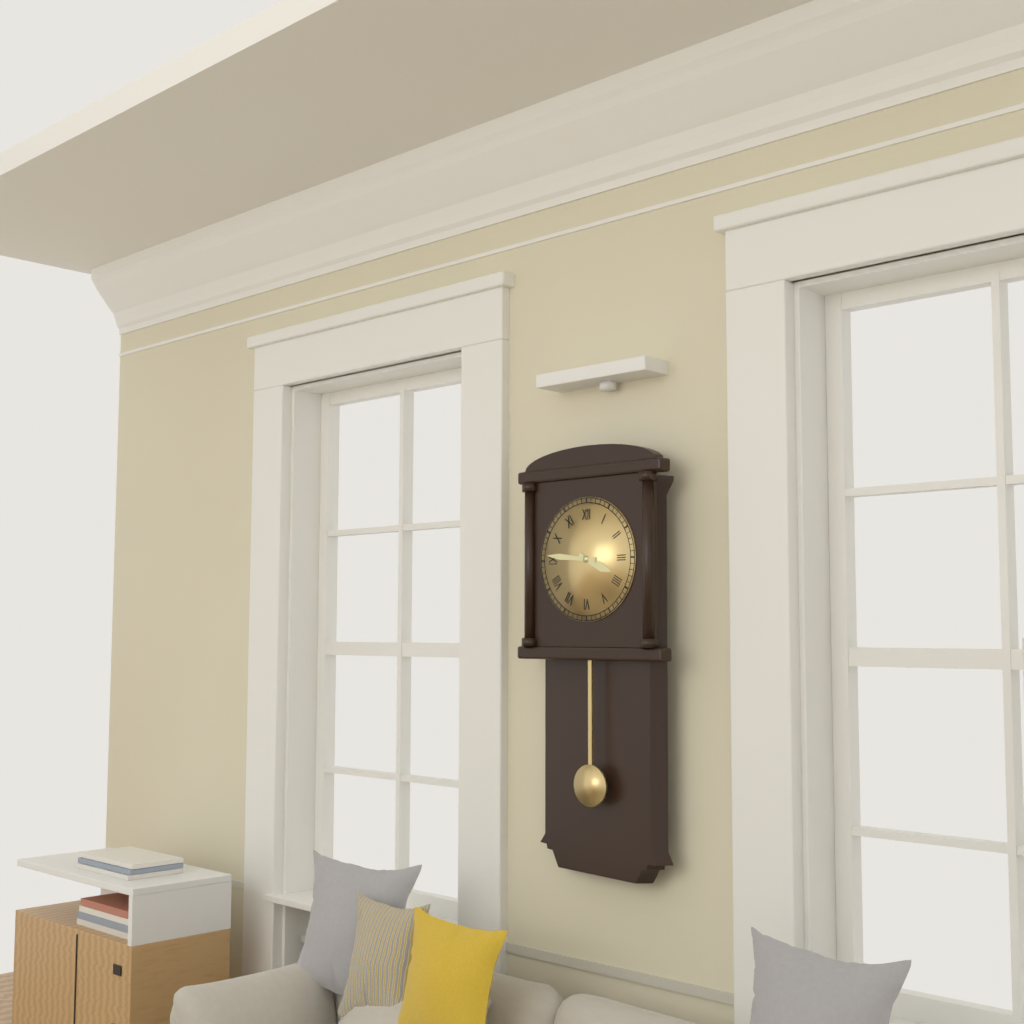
3:46
